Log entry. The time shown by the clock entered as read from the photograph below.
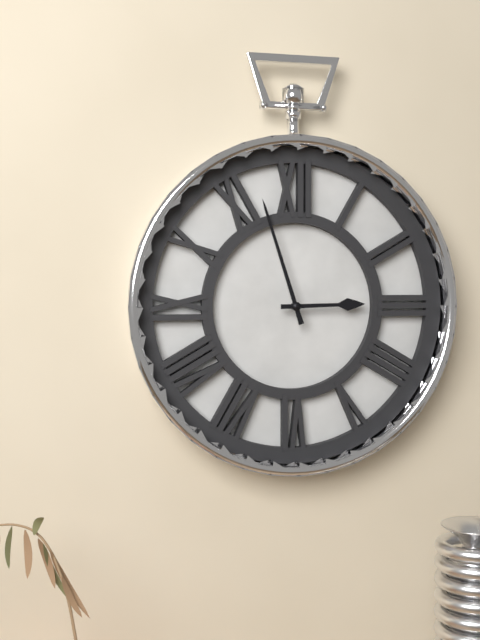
2:57
